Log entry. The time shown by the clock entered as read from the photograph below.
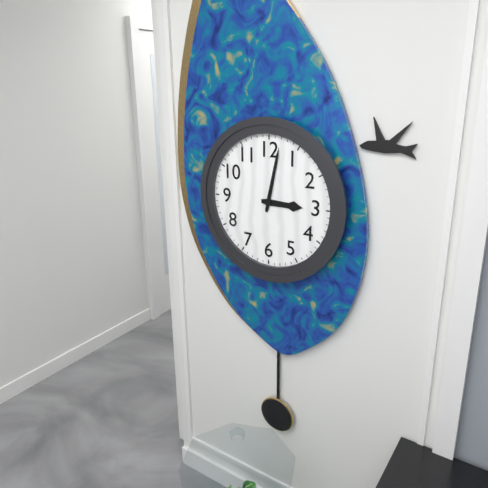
3:02
